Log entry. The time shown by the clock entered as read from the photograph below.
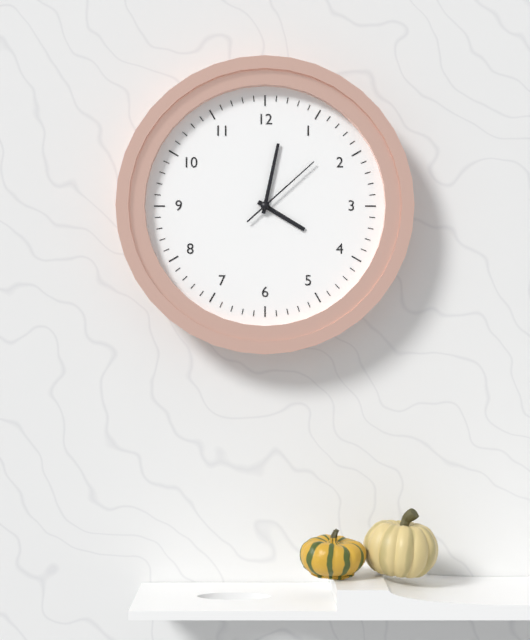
4:02:08
